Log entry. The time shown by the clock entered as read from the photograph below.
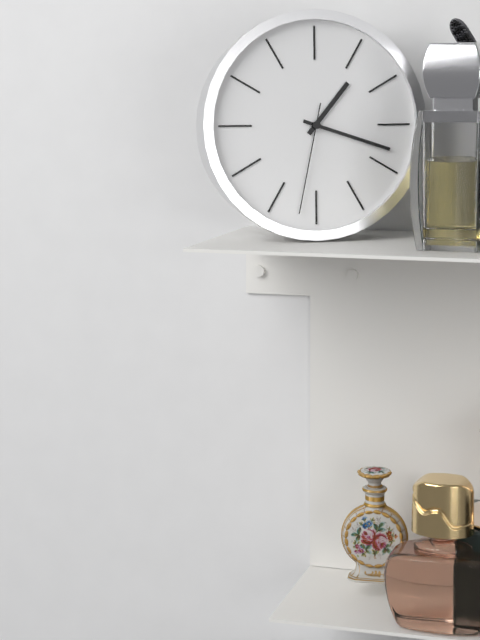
1:18:32
